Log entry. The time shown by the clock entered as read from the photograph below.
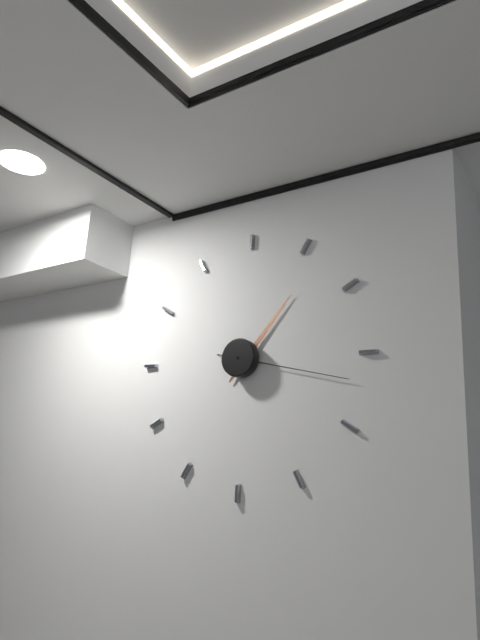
1:17
